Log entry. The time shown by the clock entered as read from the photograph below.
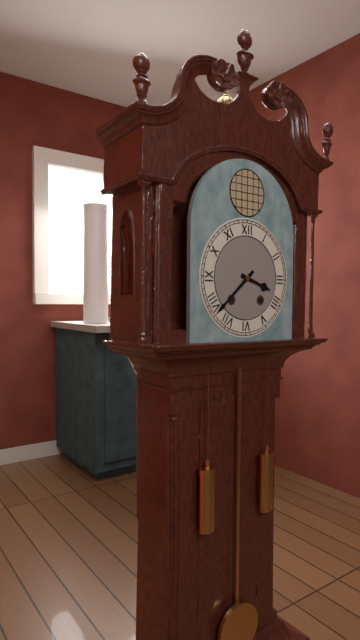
3:38
